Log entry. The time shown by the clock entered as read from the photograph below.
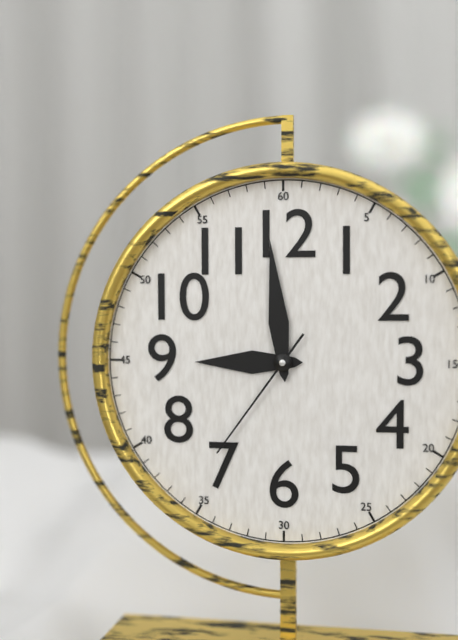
8:59:36
